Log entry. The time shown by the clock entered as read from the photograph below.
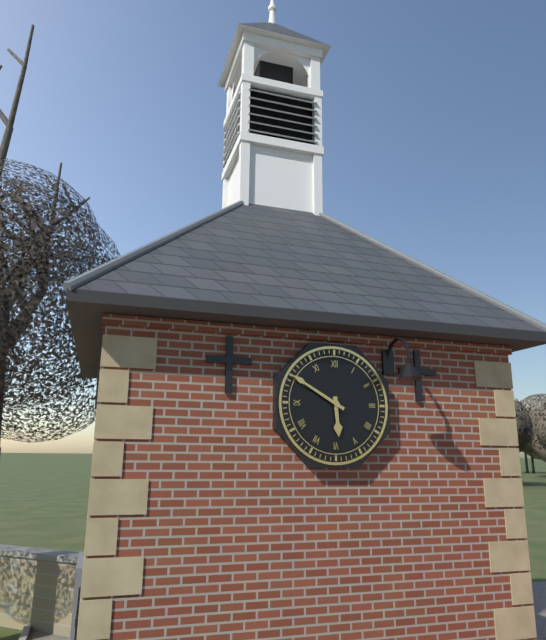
5:50
